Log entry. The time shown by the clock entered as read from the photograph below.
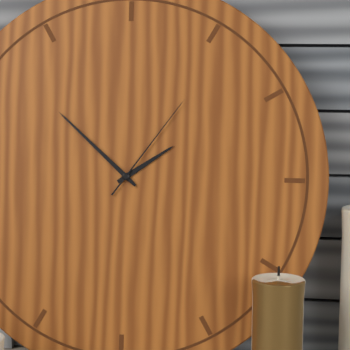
1:52:06
